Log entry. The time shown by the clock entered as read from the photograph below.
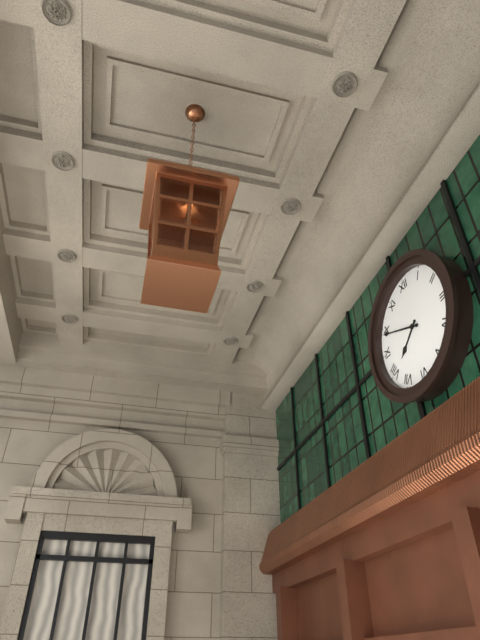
7:49
